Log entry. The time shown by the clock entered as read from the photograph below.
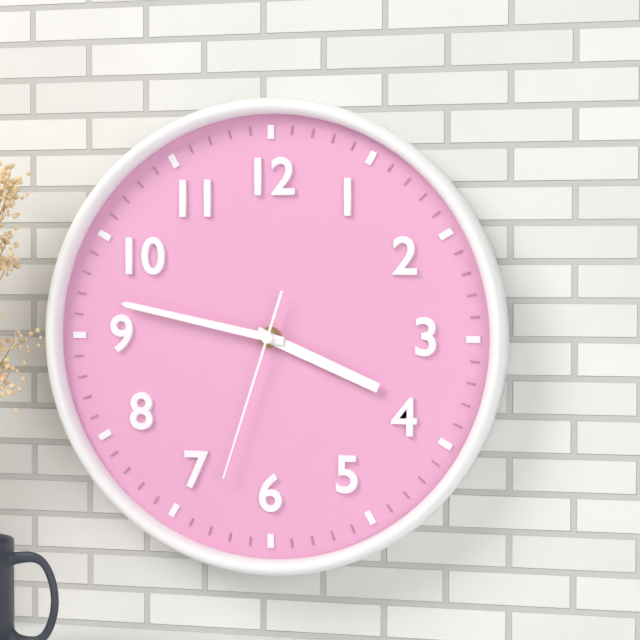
3:47:33
